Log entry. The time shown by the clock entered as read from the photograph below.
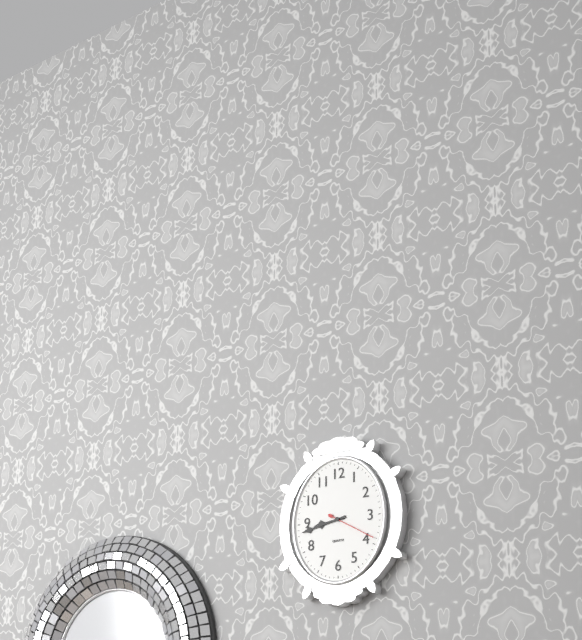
8:43:20
